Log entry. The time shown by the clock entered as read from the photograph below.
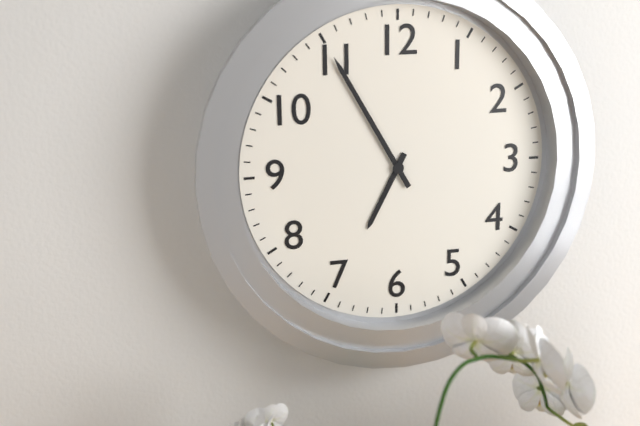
6:55
